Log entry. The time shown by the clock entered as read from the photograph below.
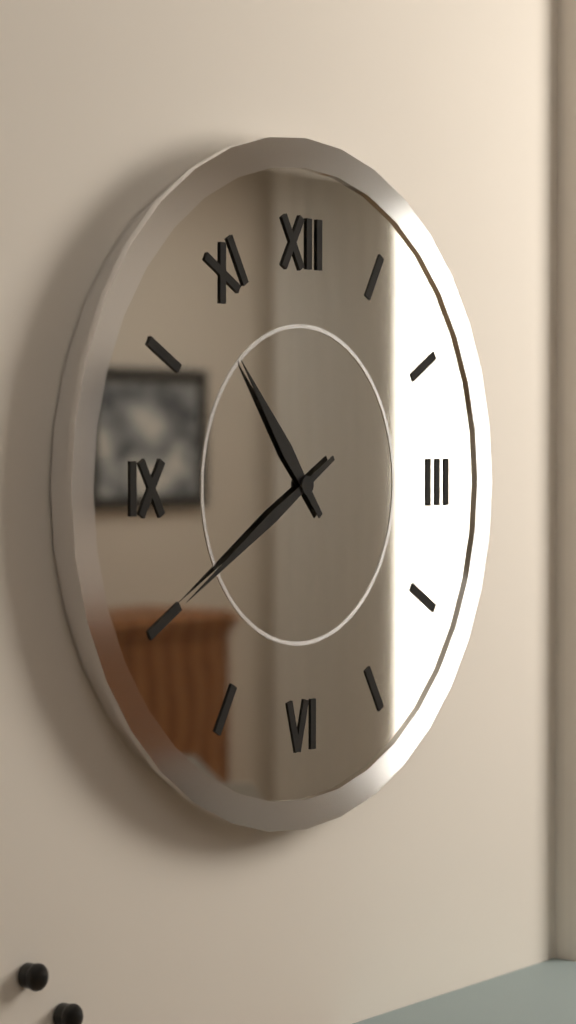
10:40
